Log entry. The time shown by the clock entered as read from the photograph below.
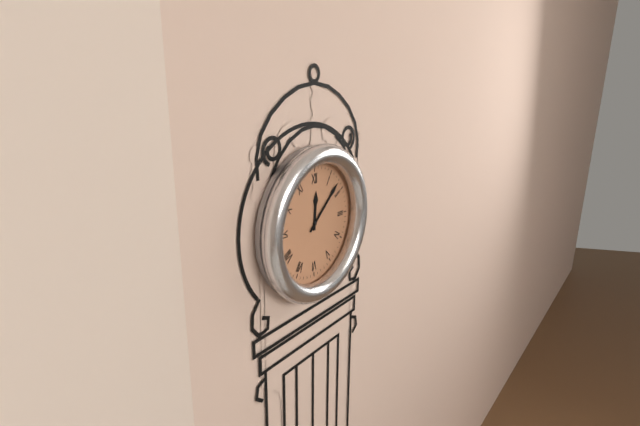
12:08
